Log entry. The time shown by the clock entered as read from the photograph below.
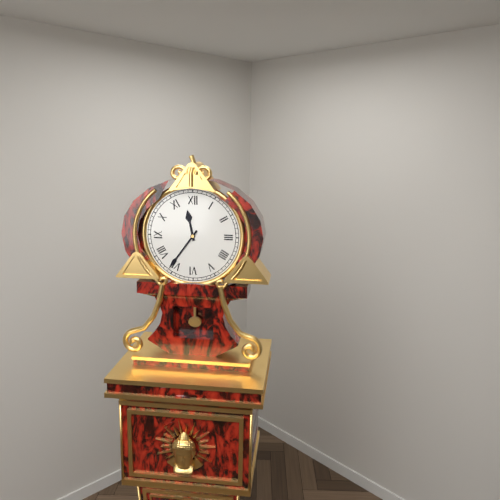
11:36
